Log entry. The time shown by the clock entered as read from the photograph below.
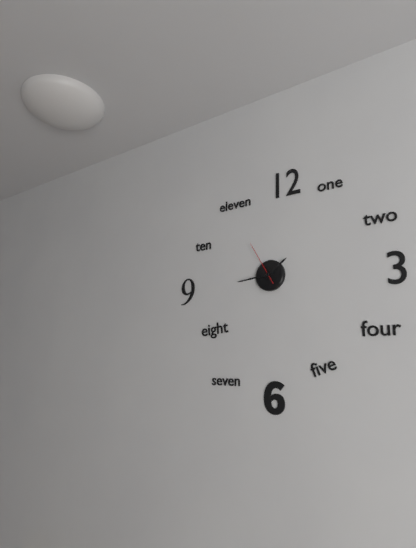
1:44
